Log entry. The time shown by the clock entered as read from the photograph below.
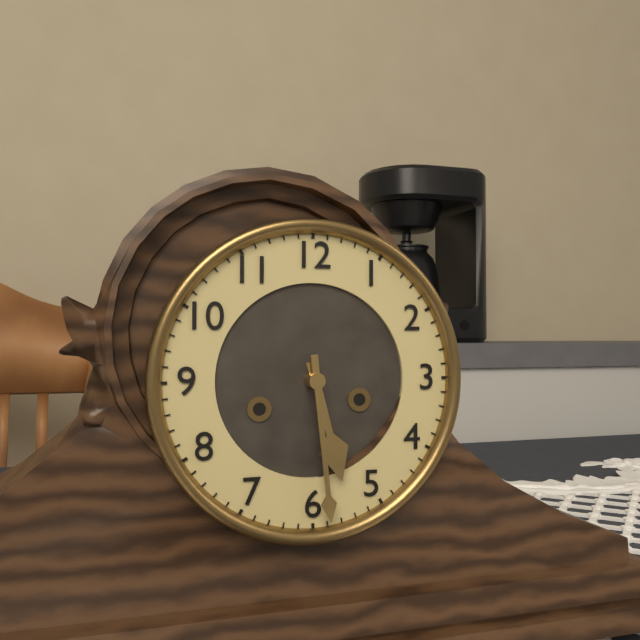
5:29
